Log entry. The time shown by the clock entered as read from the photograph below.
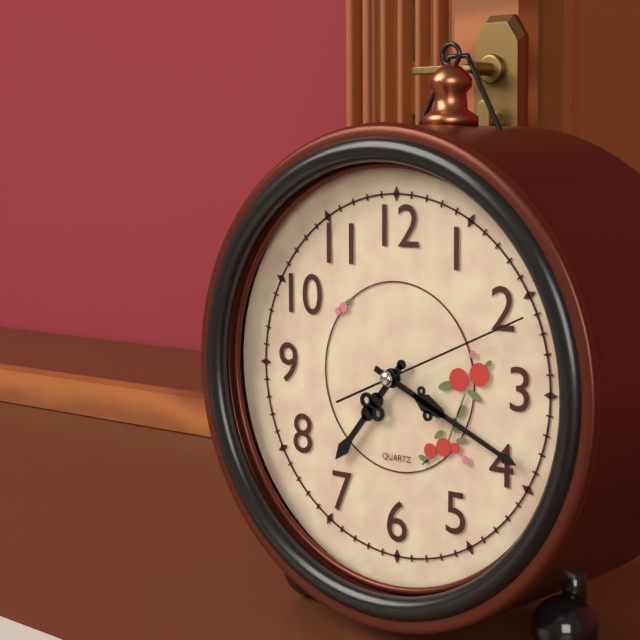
7:19:11
